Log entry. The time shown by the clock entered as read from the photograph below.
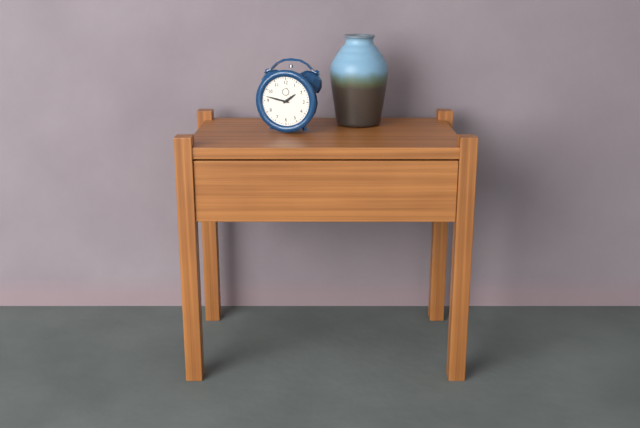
1:47
